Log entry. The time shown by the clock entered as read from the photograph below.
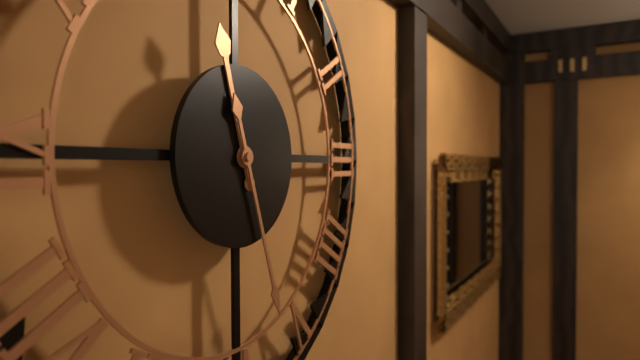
11:27
